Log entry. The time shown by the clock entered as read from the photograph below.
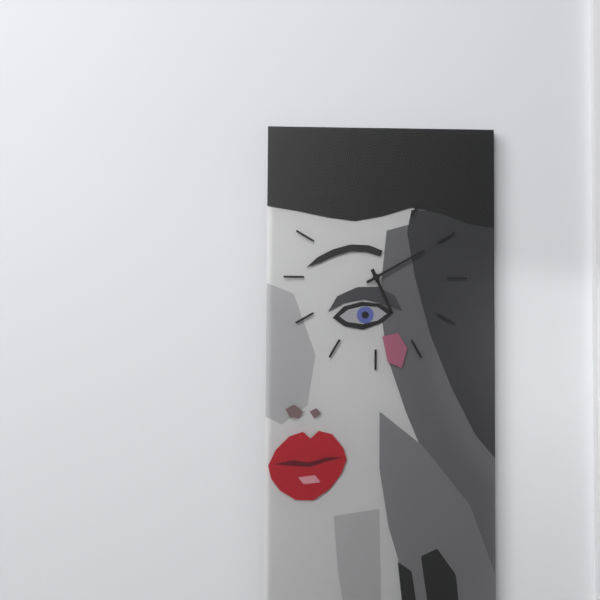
5:10
